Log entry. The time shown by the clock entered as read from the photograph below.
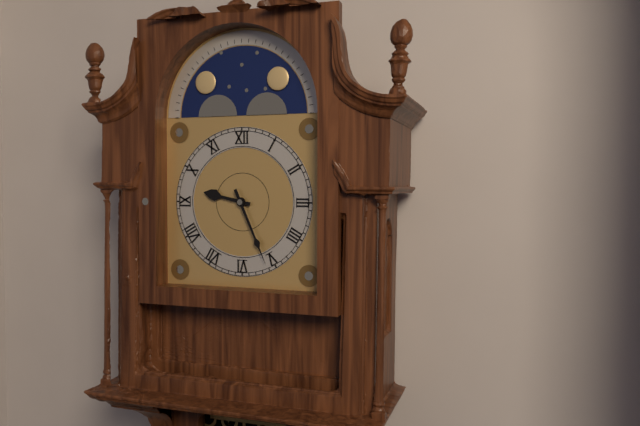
9:26
